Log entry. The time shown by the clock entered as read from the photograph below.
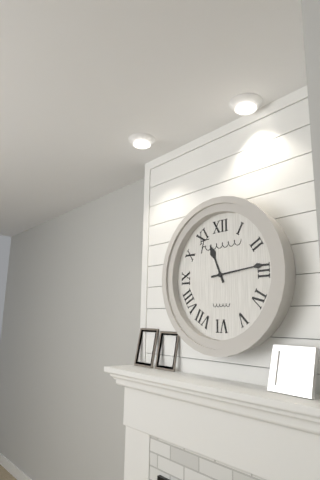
11:14
